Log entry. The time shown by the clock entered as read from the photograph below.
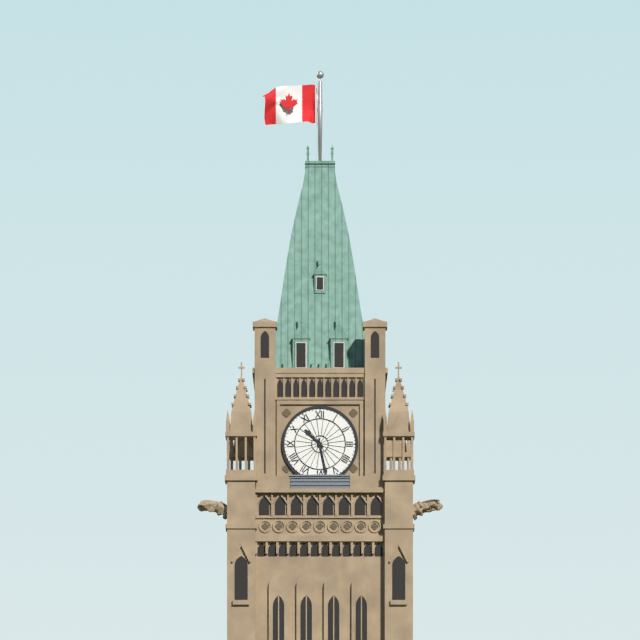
10:28
